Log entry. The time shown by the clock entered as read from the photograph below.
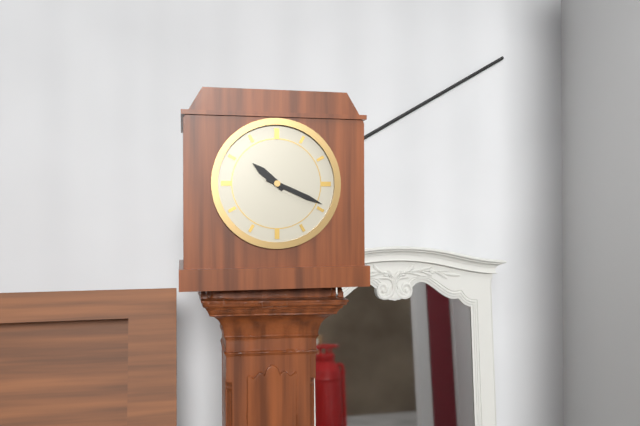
10:19
